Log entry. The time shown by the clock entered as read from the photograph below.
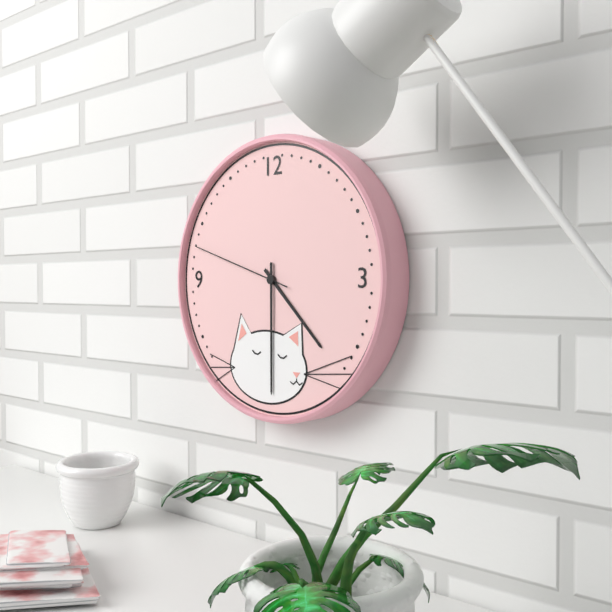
4:30:48
